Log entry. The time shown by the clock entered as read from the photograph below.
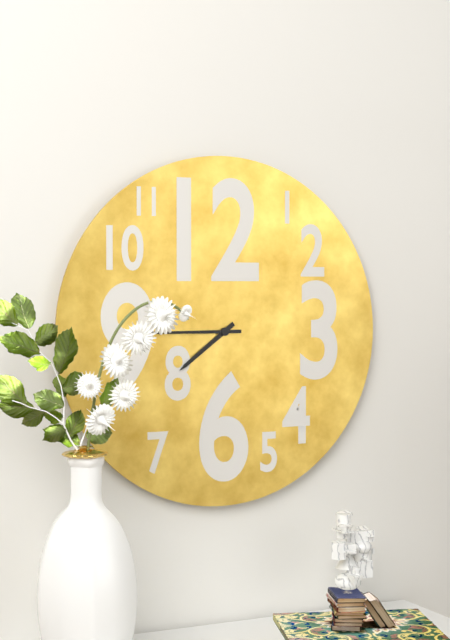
7:45
